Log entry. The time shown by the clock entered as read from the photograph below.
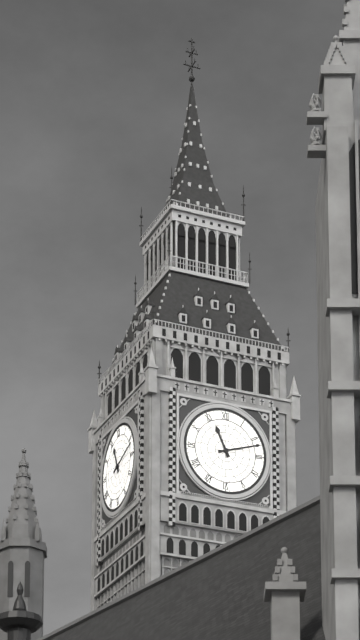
11:12
